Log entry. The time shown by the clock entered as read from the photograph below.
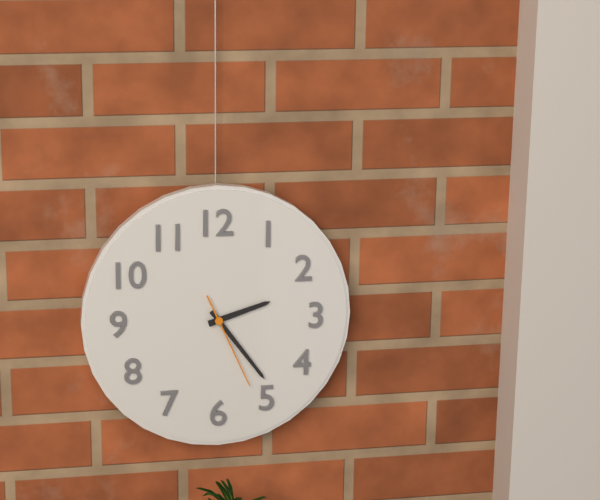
2:24:26
